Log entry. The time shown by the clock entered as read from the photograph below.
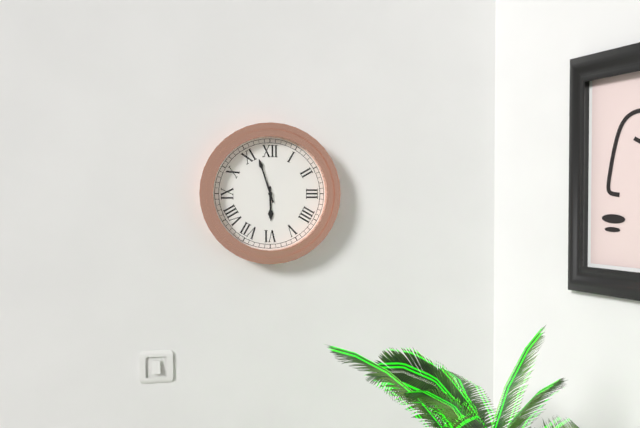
5:57
